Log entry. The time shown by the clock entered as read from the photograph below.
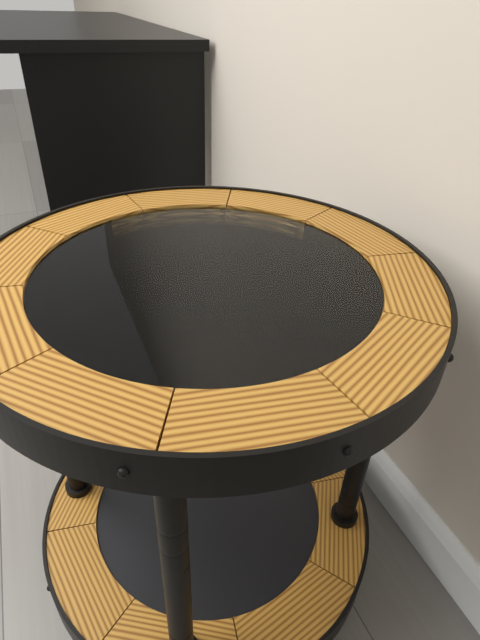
11:32
